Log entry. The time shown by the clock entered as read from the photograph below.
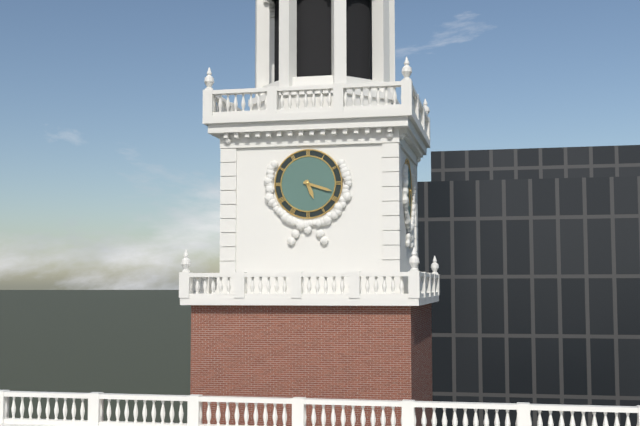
5:18
